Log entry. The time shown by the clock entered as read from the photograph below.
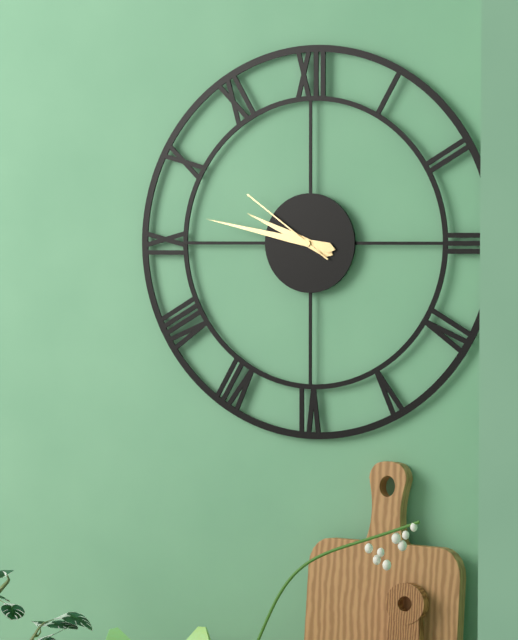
9:47:51
